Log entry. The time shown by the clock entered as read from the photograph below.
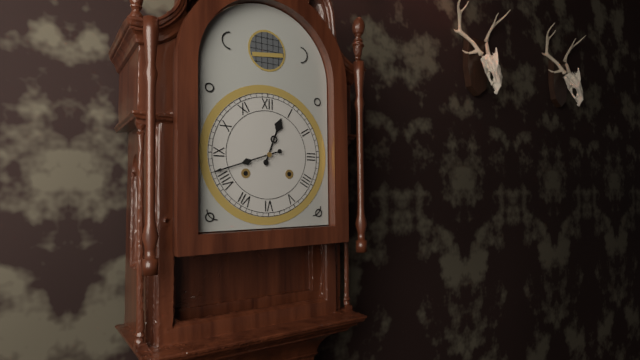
12:42
